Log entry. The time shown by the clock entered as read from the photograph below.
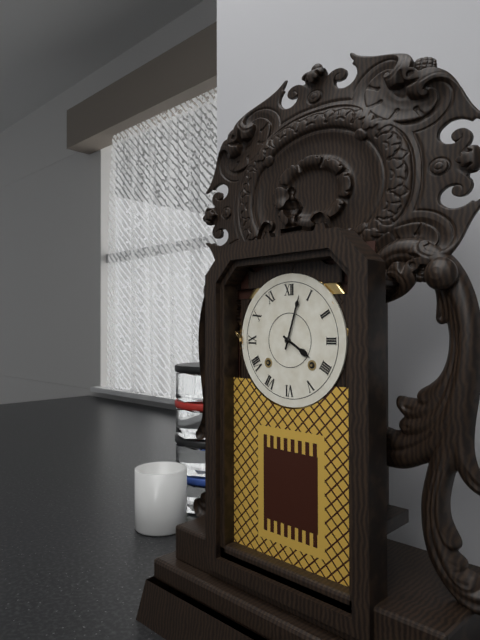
4:03
